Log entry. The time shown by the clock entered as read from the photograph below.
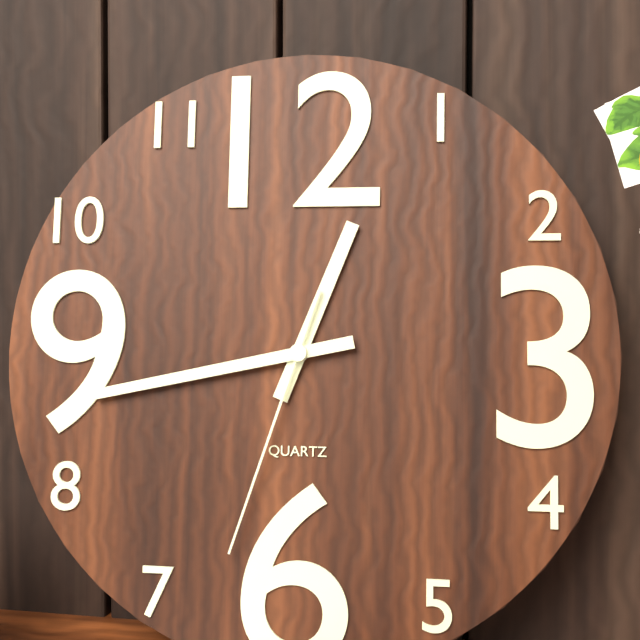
12:43:33
